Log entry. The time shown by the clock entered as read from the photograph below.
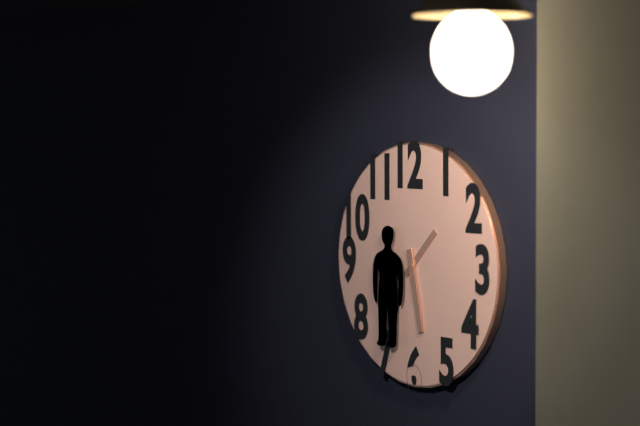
1:28
